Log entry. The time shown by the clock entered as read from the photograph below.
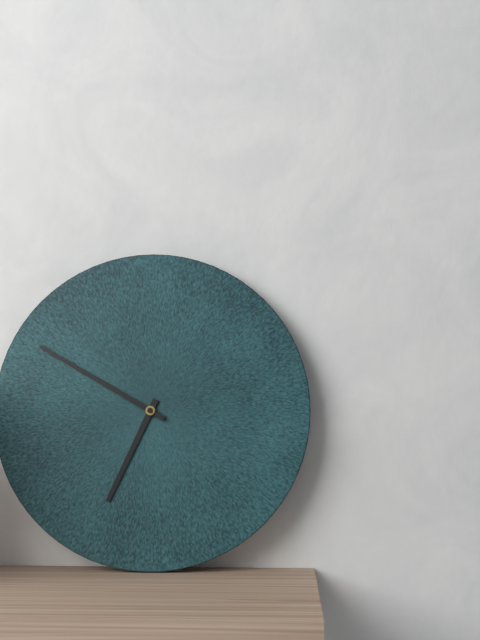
6:50
